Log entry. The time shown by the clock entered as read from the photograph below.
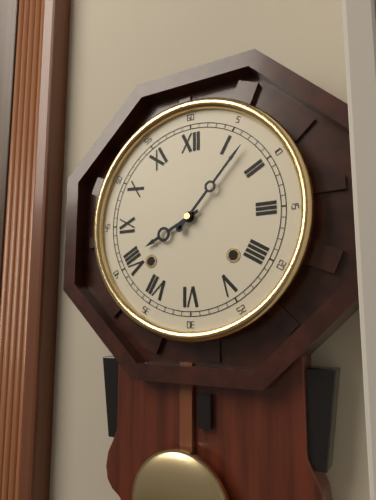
8:07
